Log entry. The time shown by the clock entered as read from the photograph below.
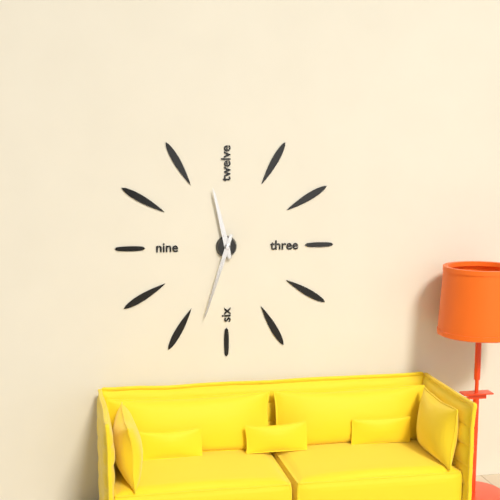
11:33
